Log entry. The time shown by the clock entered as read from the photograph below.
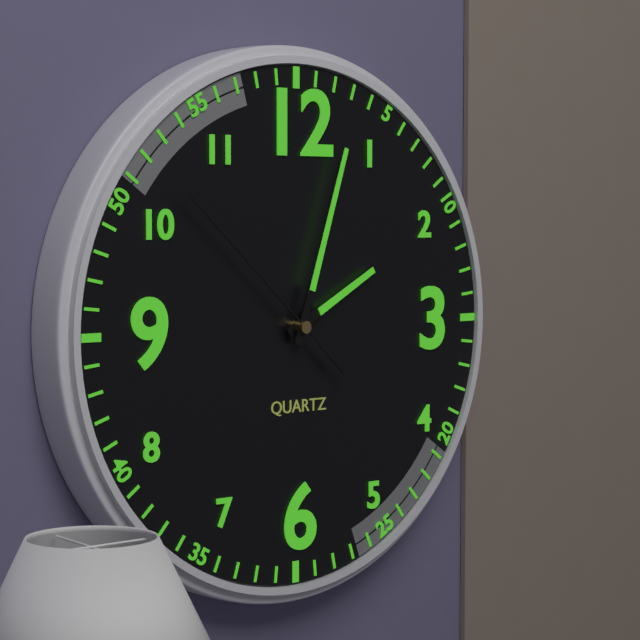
2:03:52
